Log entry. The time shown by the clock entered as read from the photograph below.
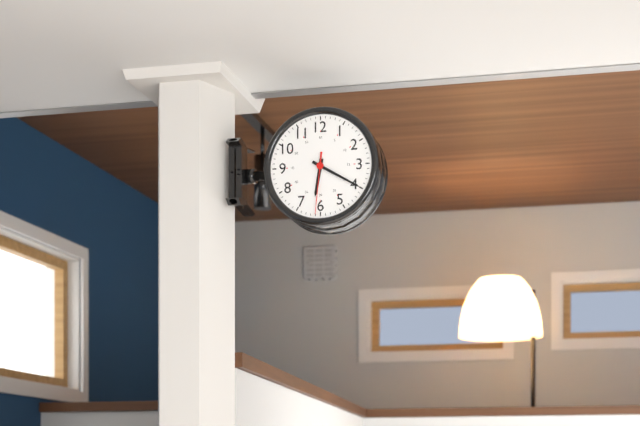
6:20:31
